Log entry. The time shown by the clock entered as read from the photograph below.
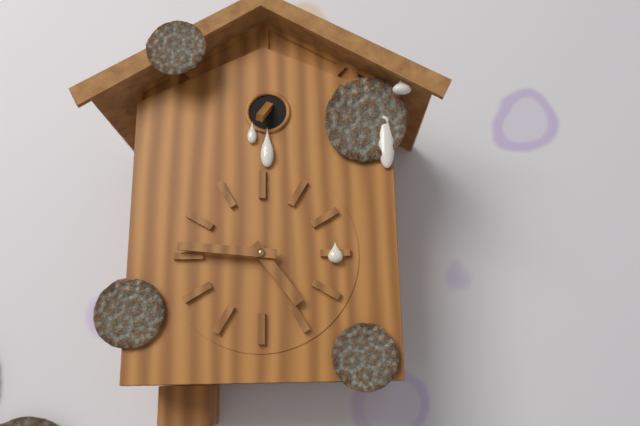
4:46
